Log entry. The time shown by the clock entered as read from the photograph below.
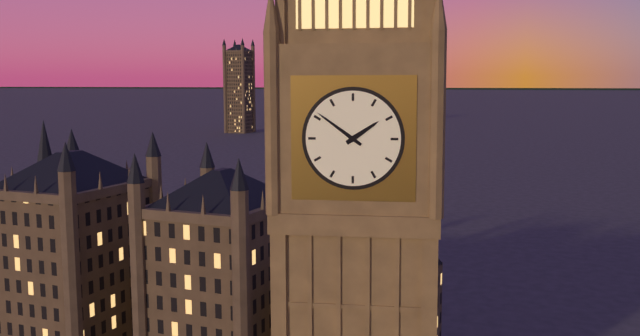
1:51
